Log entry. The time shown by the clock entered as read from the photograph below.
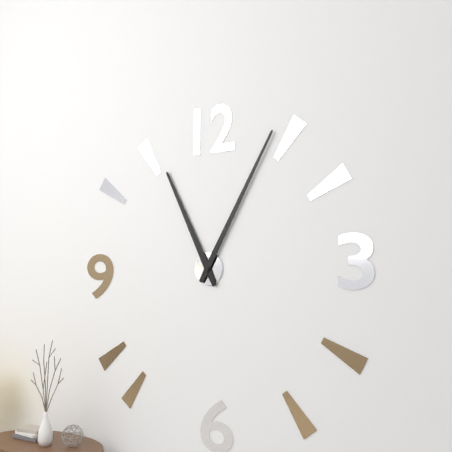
11:05
